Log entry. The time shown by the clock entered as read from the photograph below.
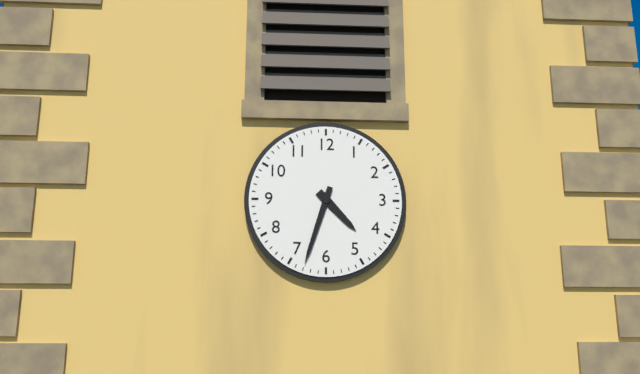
4:33
